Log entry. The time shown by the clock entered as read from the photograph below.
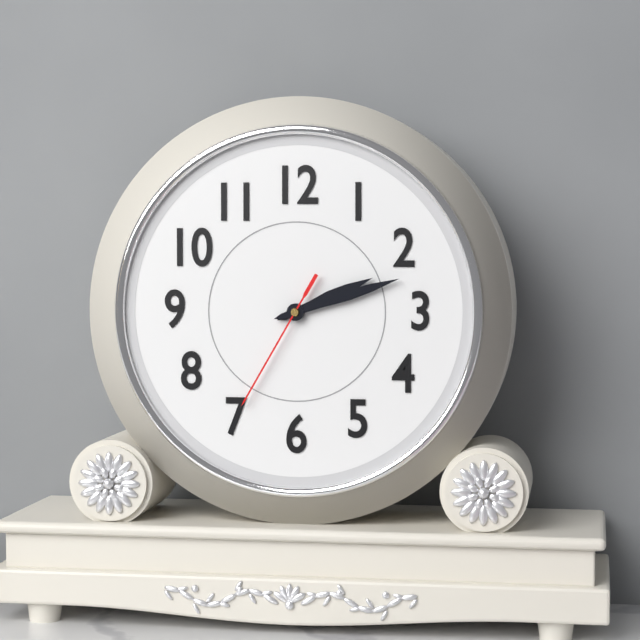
2:12:35
